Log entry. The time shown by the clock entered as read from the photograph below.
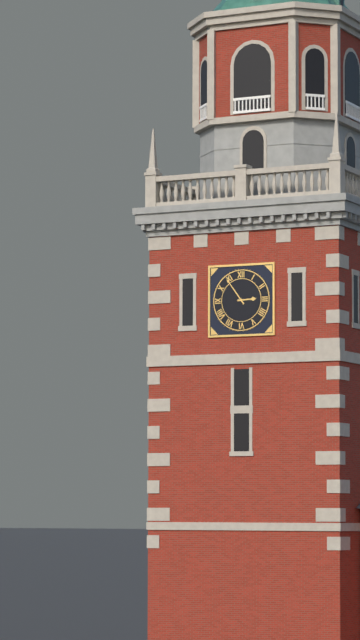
2:54
